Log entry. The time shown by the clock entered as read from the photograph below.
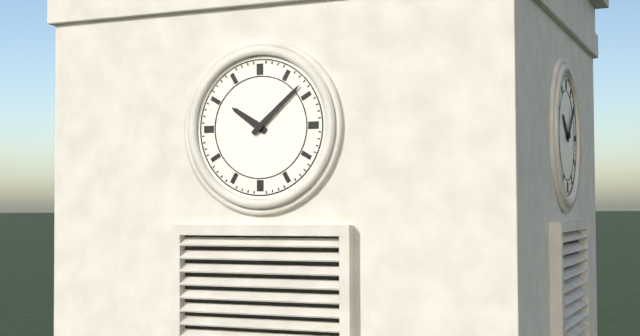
10:08
